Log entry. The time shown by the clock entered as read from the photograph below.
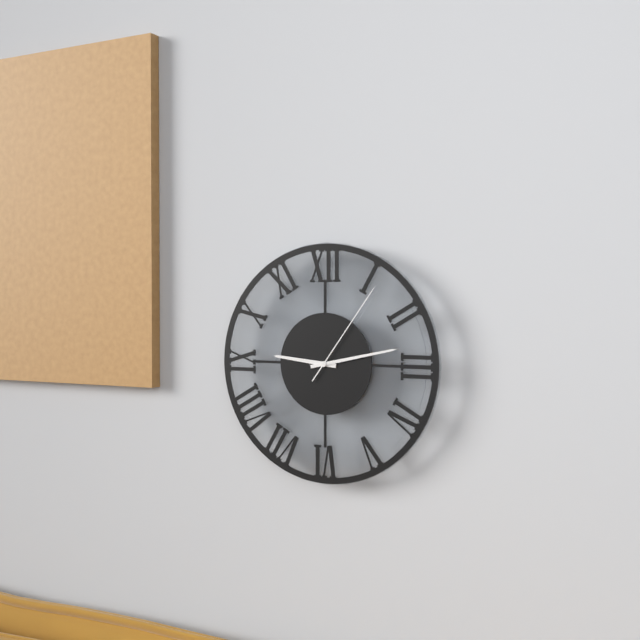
9:13:06
